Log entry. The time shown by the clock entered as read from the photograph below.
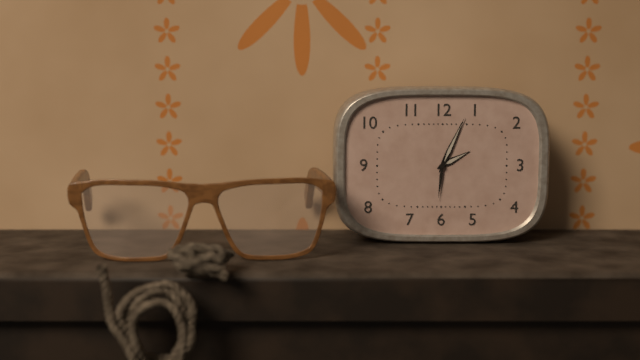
2:04
